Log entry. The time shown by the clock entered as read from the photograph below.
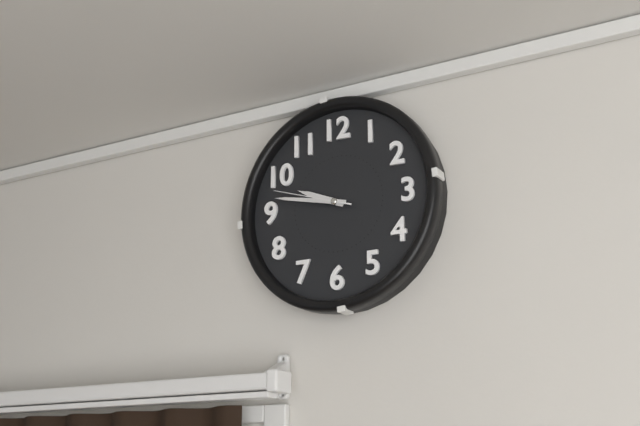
9:47:48
